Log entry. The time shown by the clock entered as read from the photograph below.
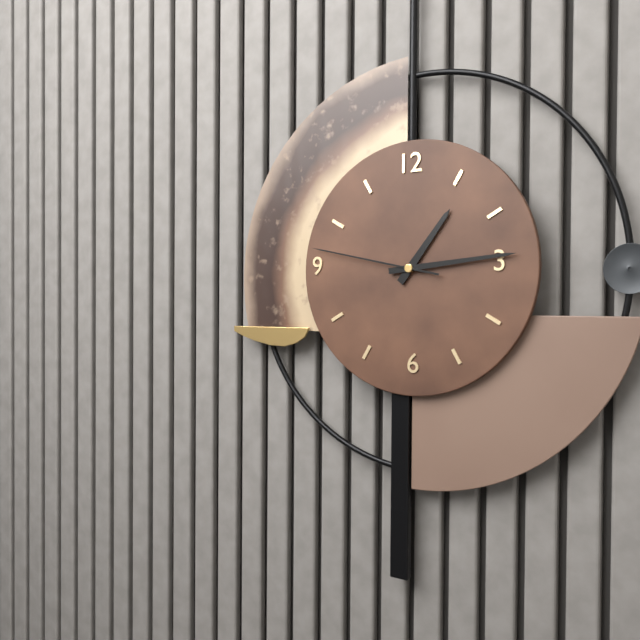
1:14:47
